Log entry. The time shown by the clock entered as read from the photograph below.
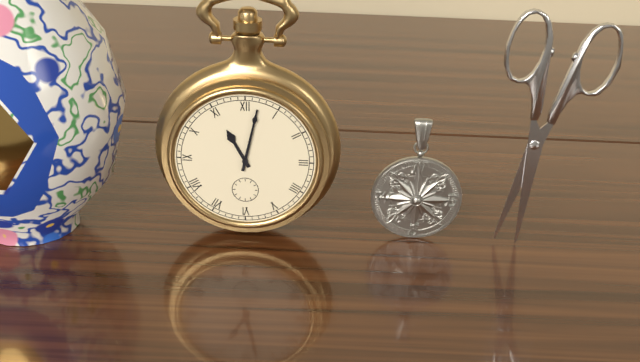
11:02
